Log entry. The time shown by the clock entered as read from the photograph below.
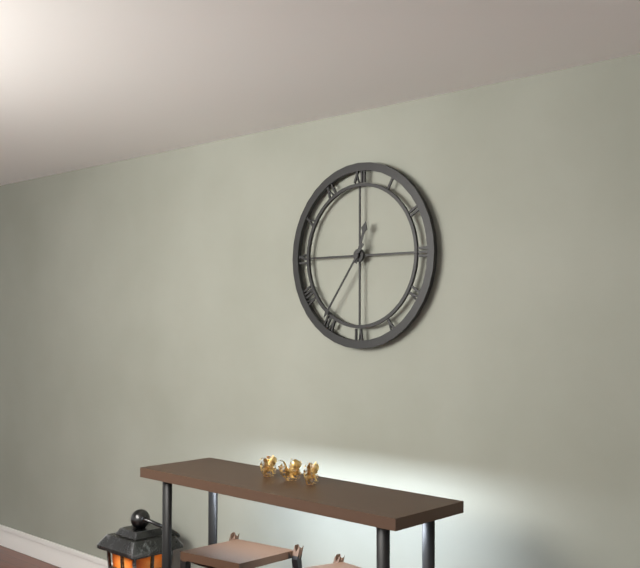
12:36
